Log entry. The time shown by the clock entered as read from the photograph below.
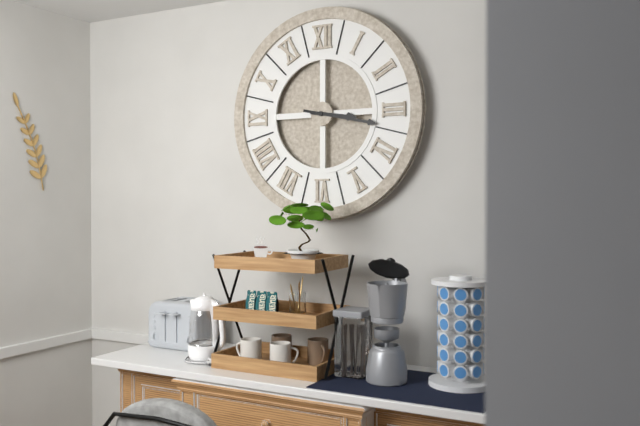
3:17
